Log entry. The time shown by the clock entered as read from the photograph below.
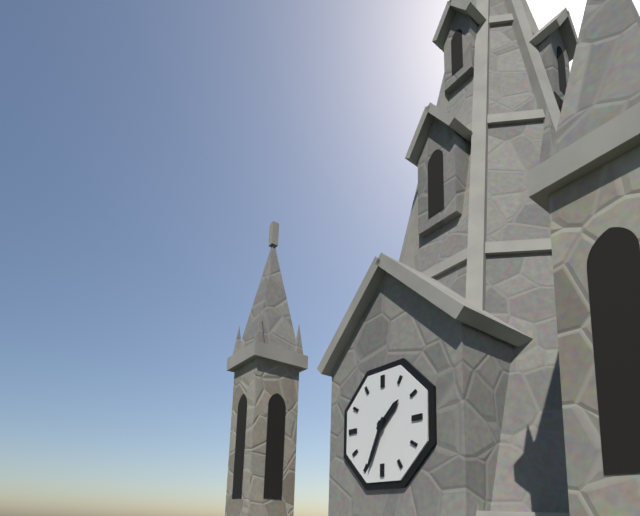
1:34
